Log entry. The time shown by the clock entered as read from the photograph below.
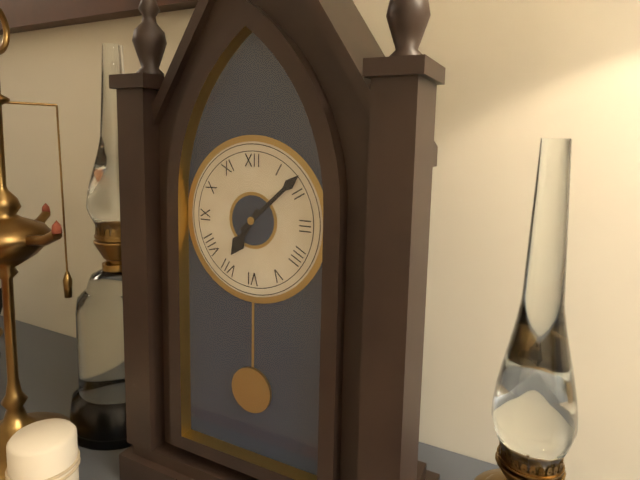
7:08
